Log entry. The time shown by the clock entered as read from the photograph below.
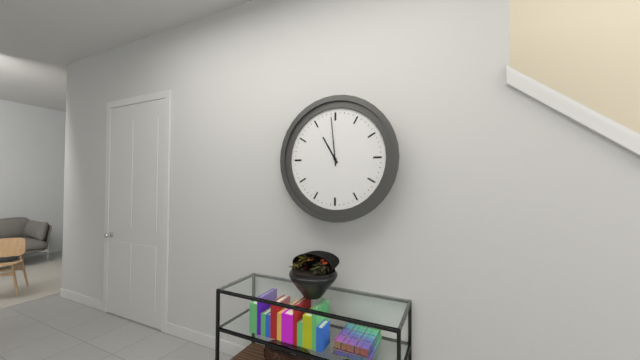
10:59
